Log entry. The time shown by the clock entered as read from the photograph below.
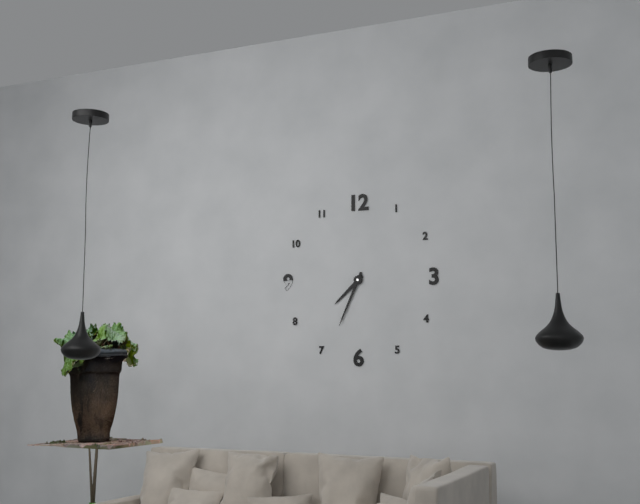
7:34
